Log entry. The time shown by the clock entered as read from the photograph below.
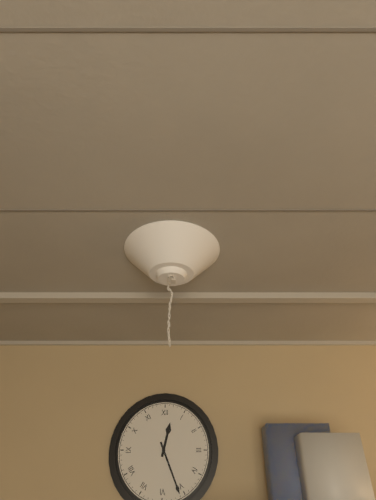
12:26
